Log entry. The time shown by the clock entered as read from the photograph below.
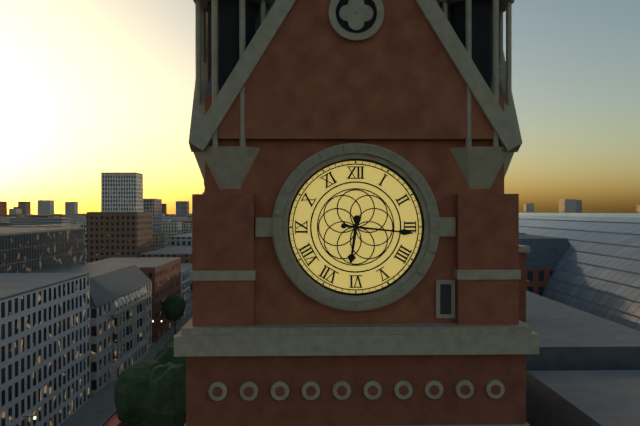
6:16
